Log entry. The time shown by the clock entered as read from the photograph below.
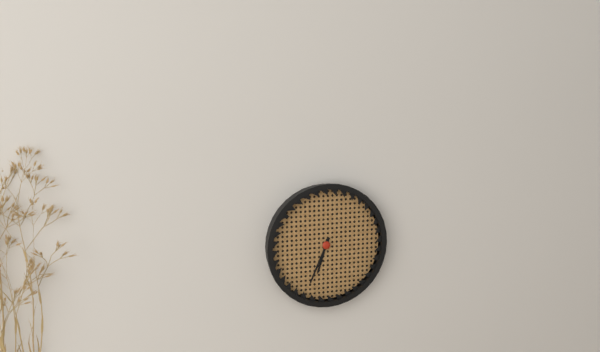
6:34
